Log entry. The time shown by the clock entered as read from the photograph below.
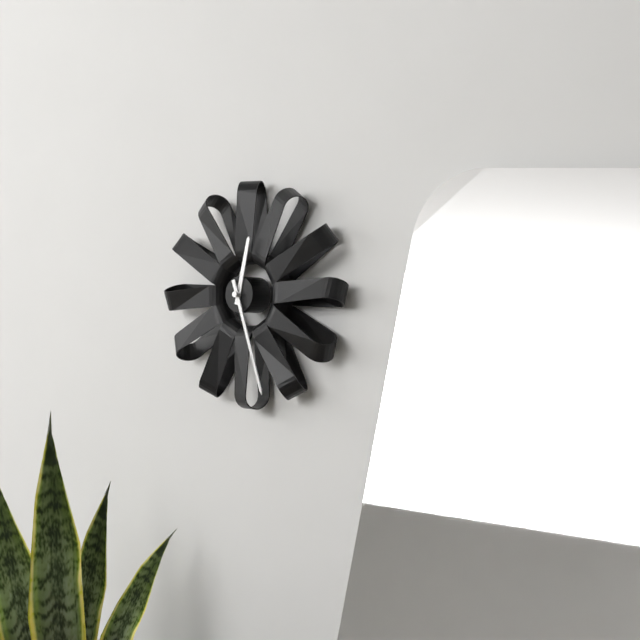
12:27
